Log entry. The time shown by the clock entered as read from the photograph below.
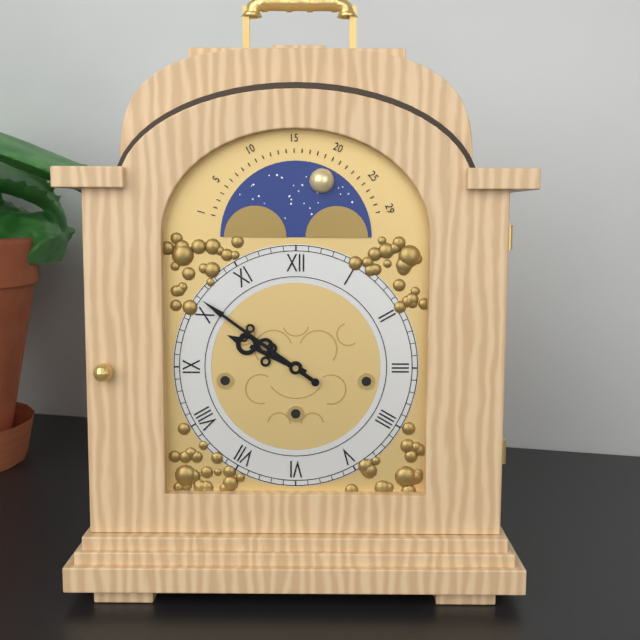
9:51
